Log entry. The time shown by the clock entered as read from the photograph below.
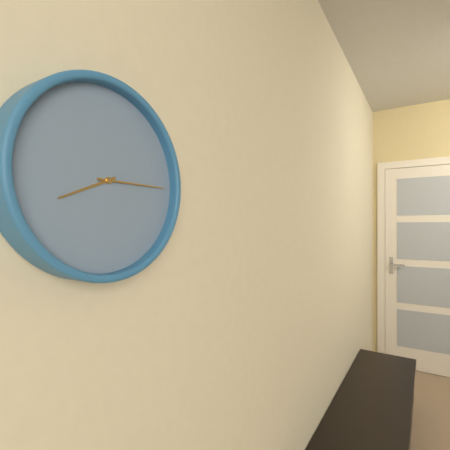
8:15
